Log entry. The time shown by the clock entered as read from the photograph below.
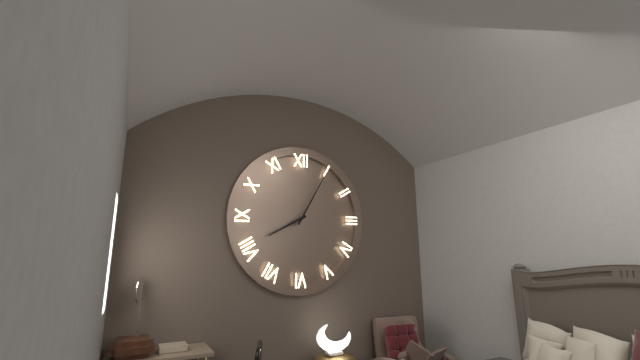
8:05
